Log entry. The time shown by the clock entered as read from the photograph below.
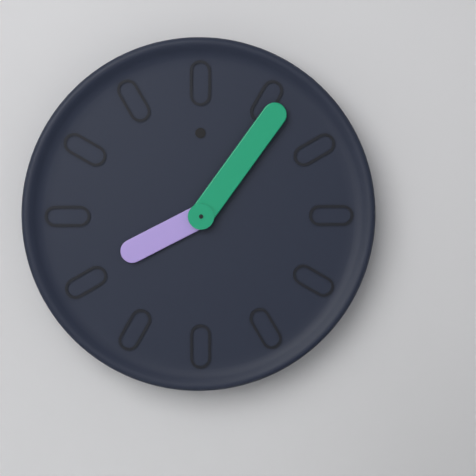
8:06
